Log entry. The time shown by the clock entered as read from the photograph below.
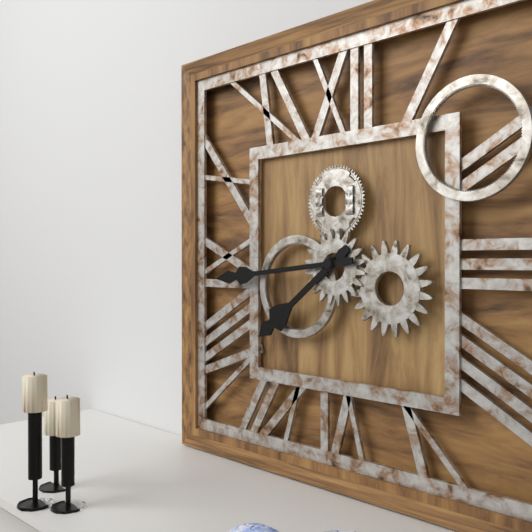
7:44
